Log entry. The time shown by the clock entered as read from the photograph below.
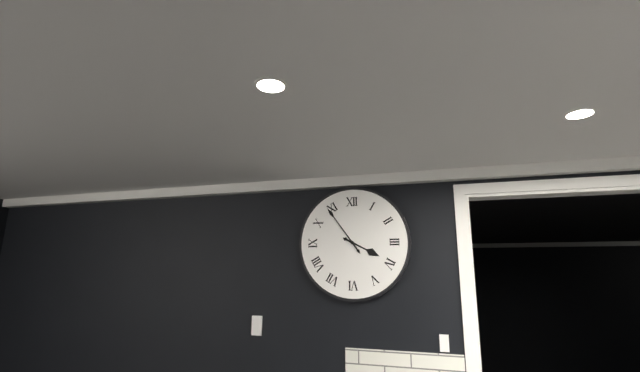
3:54
